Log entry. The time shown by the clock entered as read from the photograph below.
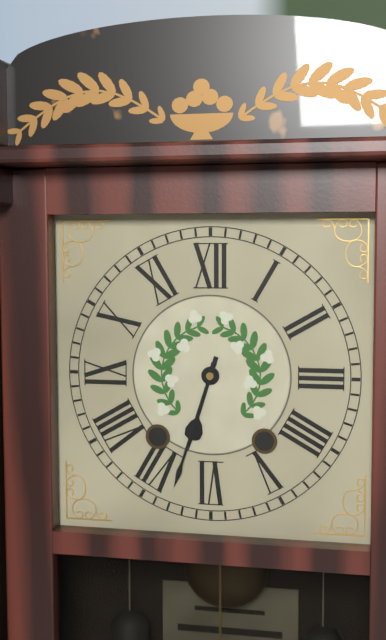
6:33
